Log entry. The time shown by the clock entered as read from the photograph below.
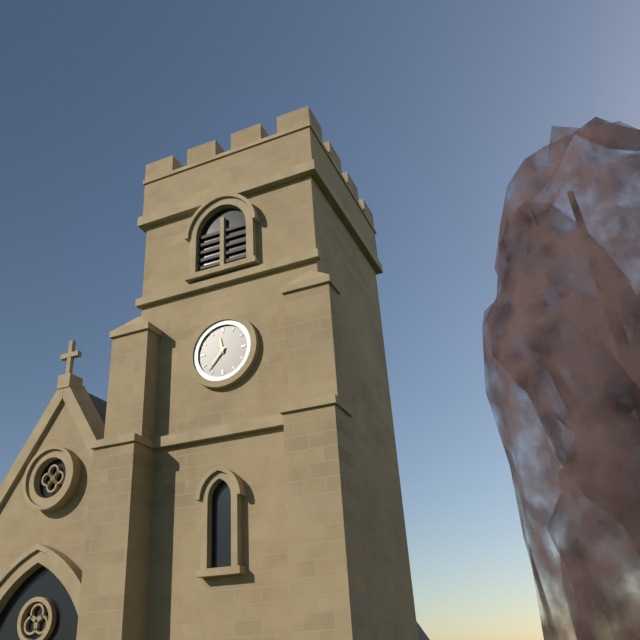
11:37
